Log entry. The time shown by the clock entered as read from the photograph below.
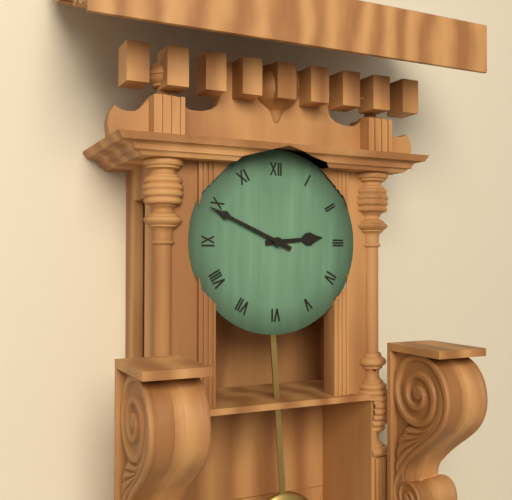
2:49
